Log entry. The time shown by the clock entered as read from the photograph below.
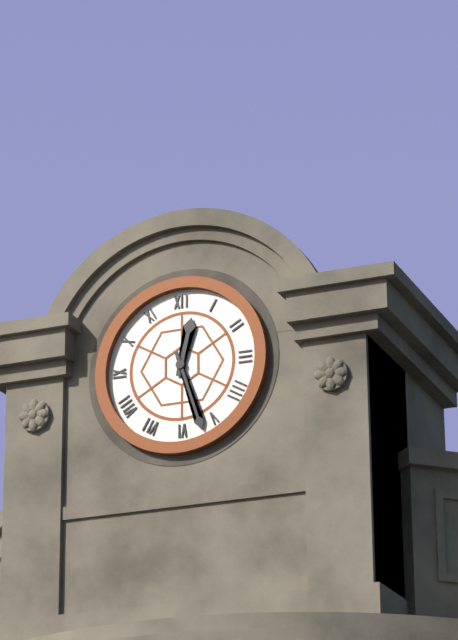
12:27
